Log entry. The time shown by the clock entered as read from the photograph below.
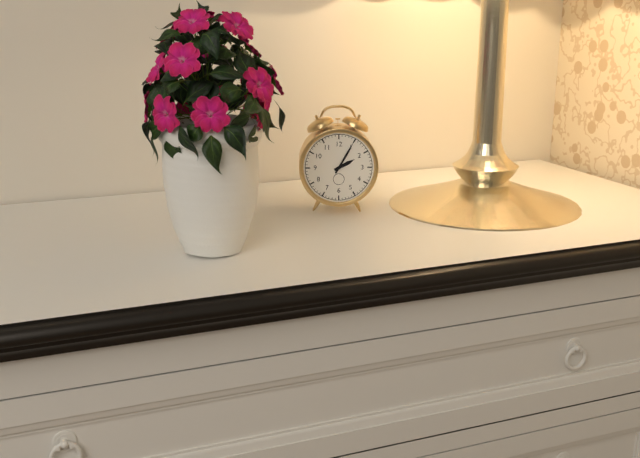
2:05
